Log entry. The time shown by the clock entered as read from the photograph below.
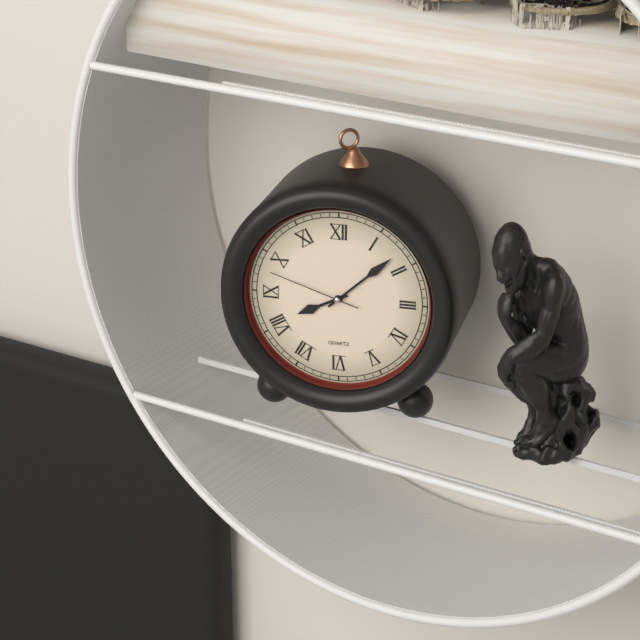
8:08:48
